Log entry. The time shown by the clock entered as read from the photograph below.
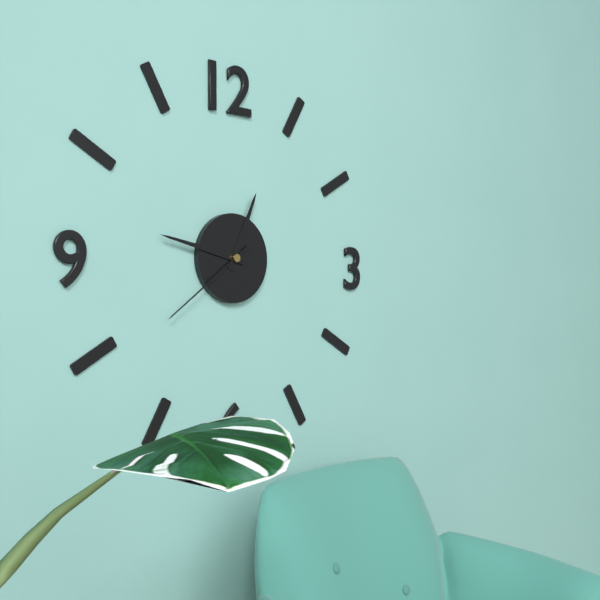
12:47:39
